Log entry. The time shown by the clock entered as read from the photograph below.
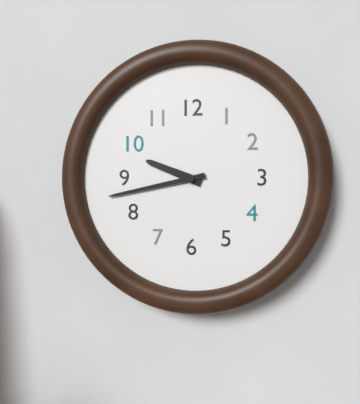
9:43
